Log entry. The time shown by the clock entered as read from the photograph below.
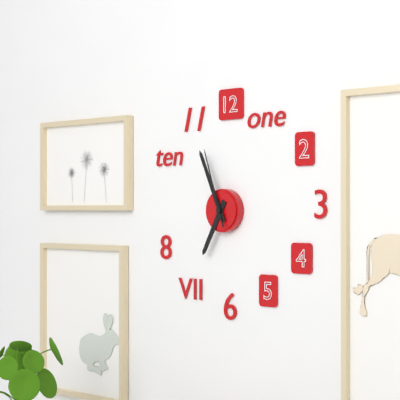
6:56:57
